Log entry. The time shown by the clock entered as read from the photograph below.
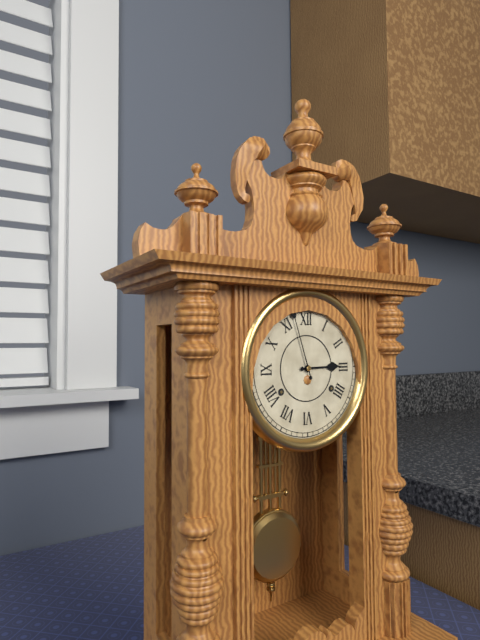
2:57
